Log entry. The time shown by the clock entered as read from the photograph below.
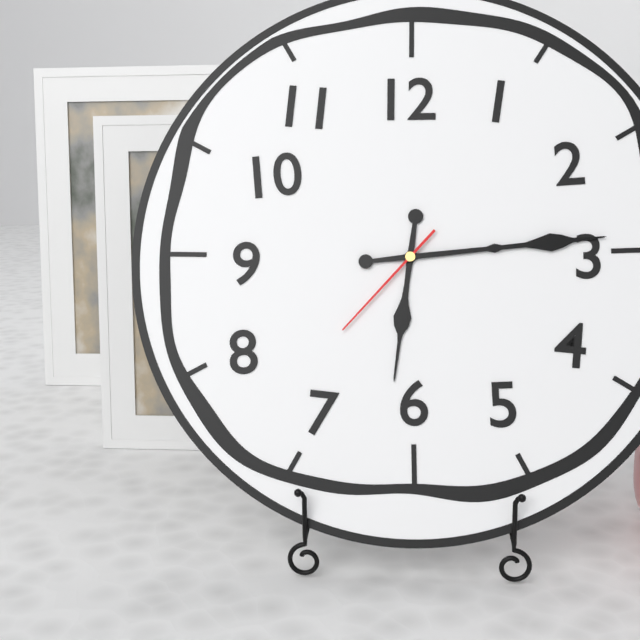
6:14:37
